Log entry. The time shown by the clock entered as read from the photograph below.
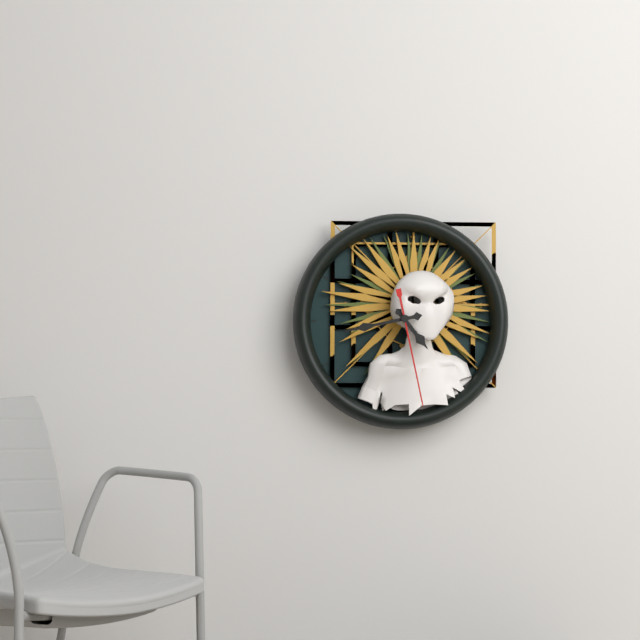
4:43:28
